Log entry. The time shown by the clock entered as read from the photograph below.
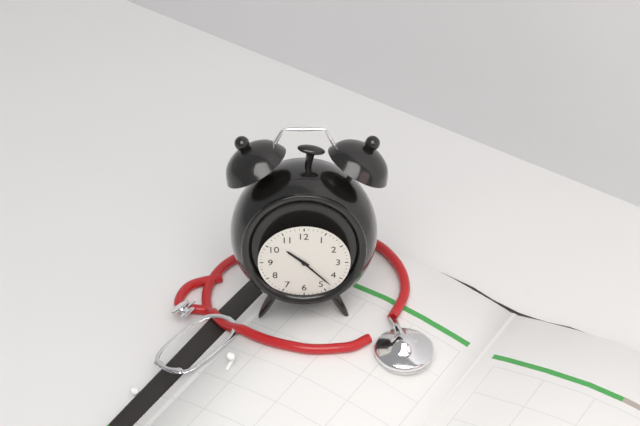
10:23
